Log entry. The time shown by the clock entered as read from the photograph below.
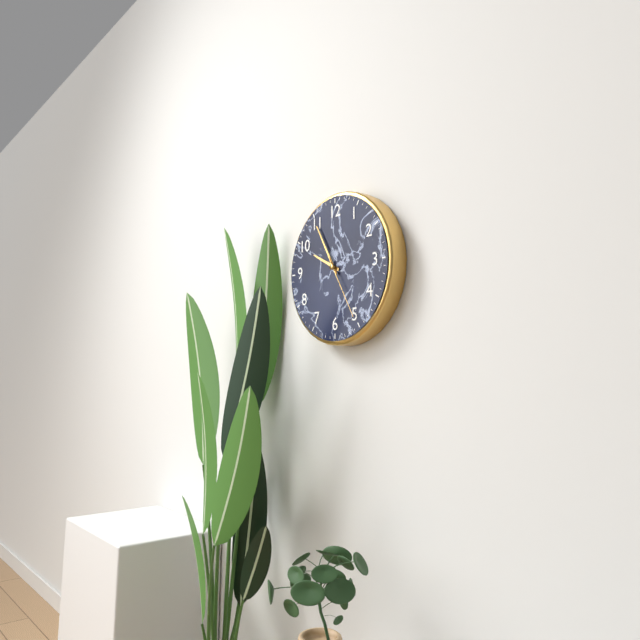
9:55:25
